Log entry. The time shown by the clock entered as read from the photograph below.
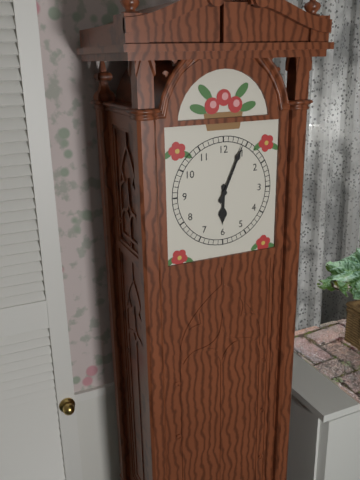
6:04
